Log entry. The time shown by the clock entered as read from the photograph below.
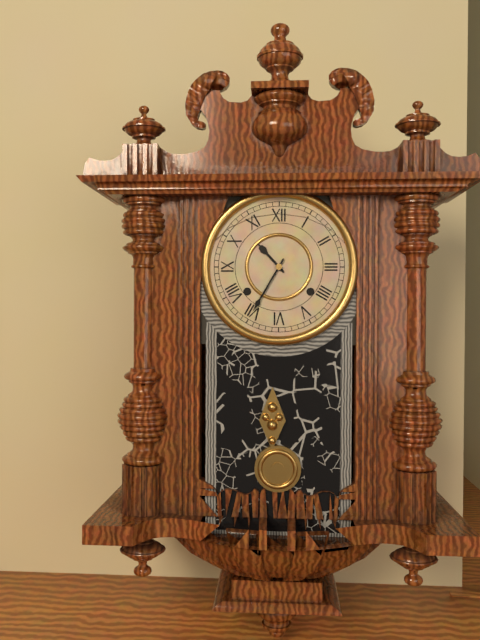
10:35
